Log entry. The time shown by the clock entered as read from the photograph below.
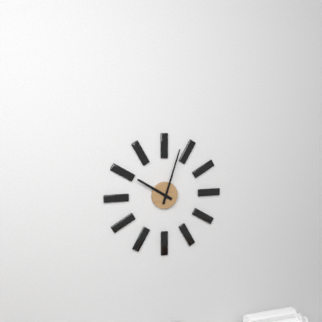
10:03
